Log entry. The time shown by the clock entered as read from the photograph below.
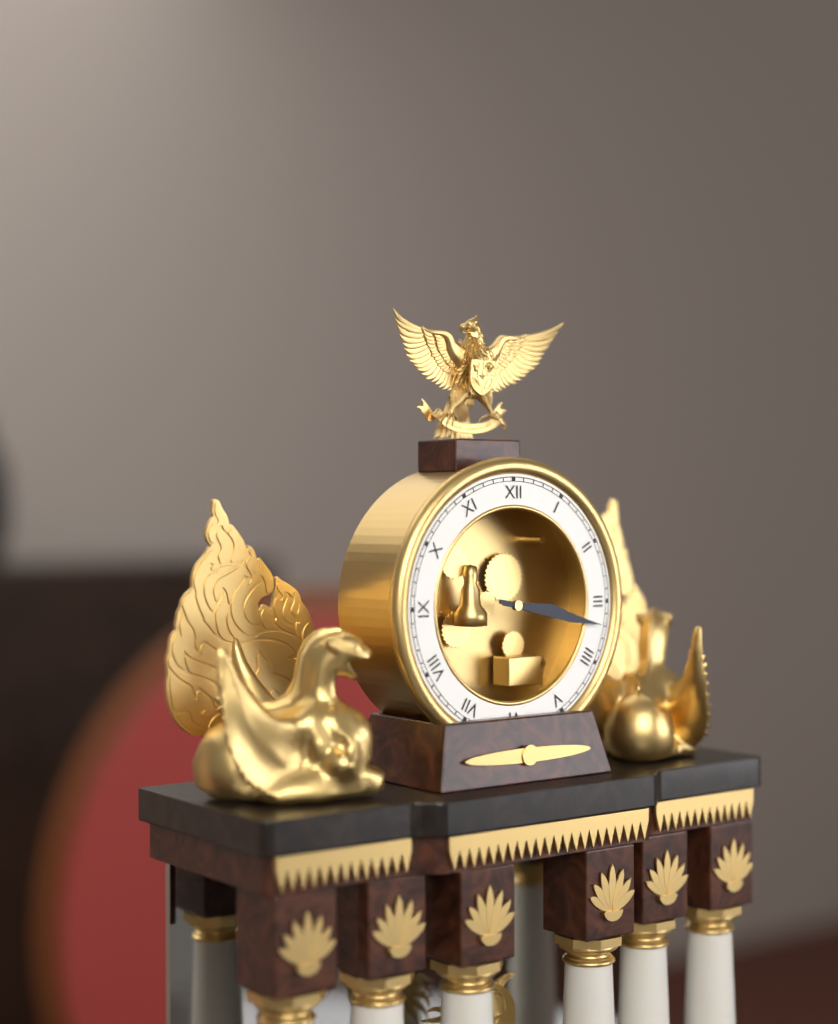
3:17
